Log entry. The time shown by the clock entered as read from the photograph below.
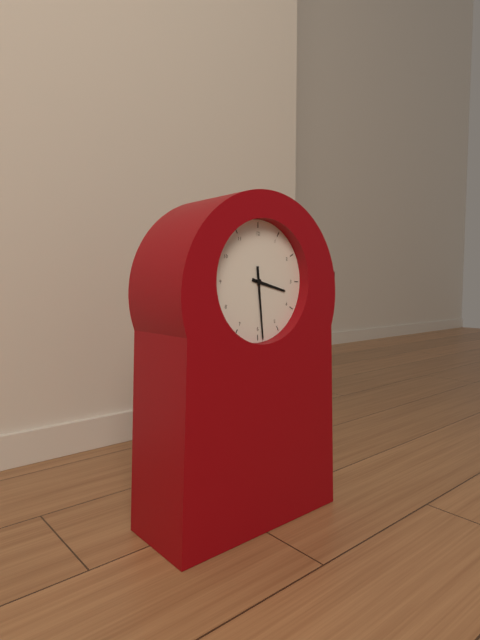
3:29
